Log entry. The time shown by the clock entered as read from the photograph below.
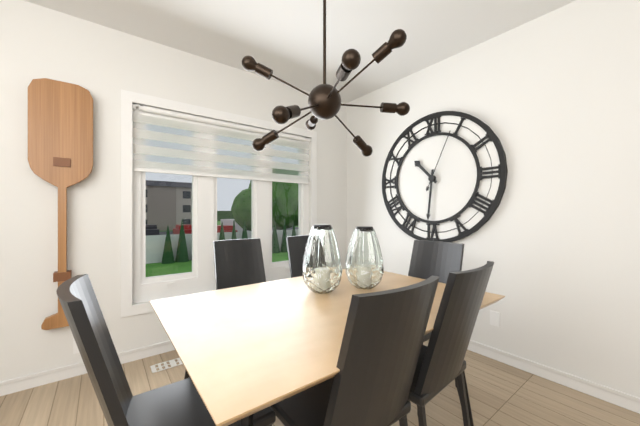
10:31:04
